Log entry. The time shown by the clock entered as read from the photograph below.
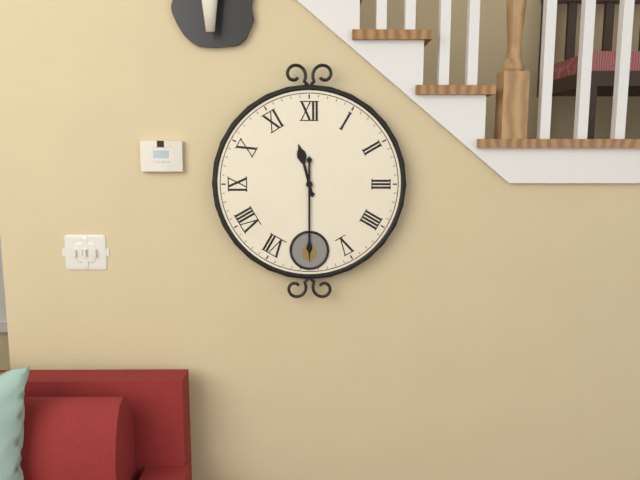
11:30
